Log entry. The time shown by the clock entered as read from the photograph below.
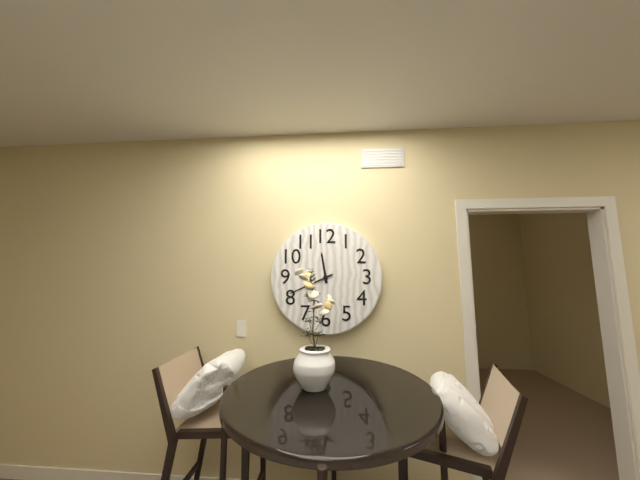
11:41
